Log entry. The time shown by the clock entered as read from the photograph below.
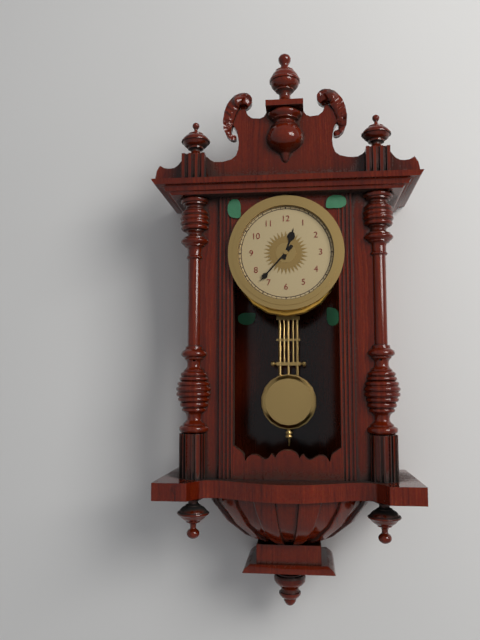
12:37
